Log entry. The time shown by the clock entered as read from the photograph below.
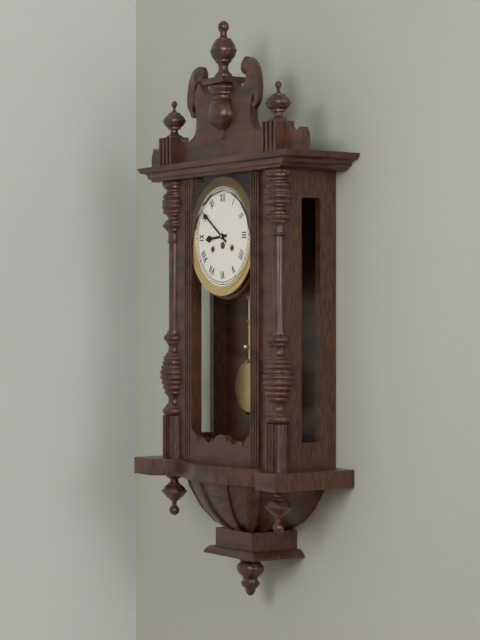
8:51
